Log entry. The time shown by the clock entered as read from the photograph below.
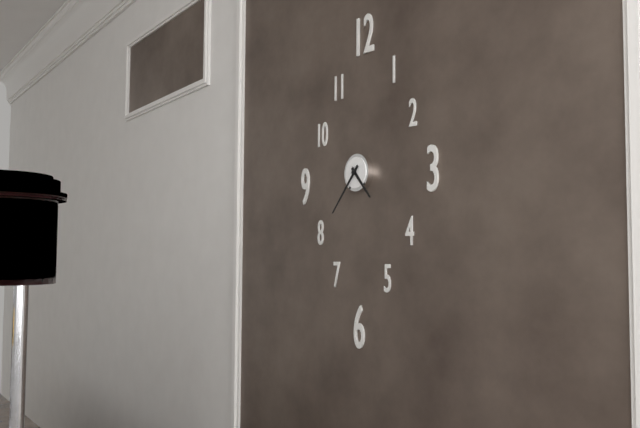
4:37
